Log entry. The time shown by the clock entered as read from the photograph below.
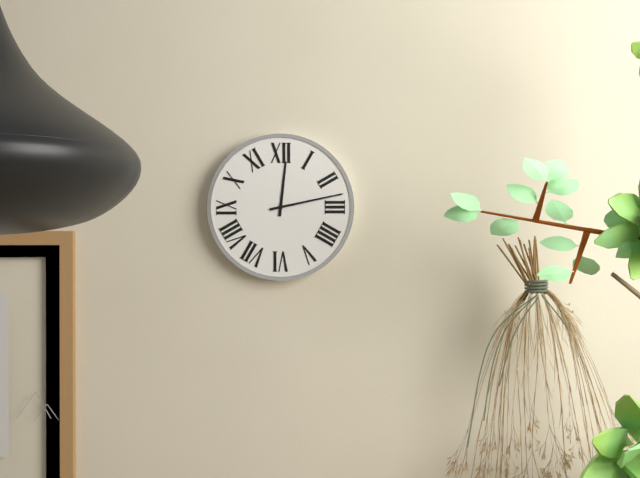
12:13
